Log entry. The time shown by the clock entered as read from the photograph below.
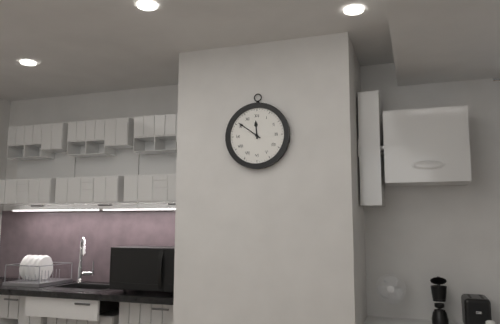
11:51
